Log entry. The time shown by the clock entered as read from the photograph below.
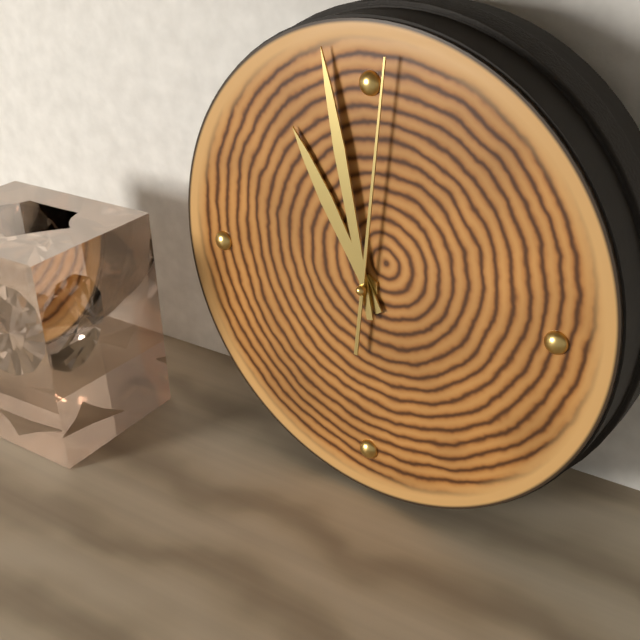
10:58:01
